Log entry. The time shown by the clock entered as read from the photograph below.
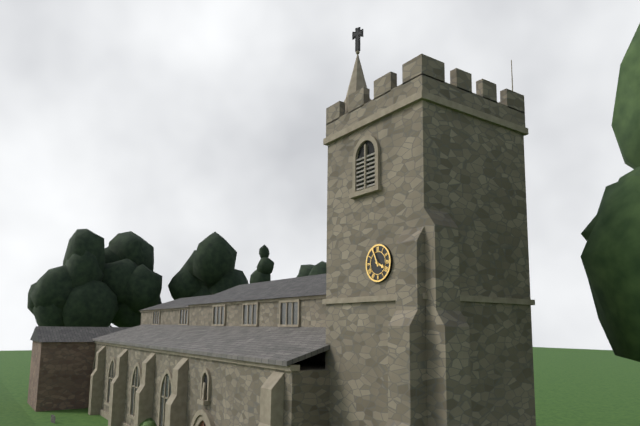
3:56
